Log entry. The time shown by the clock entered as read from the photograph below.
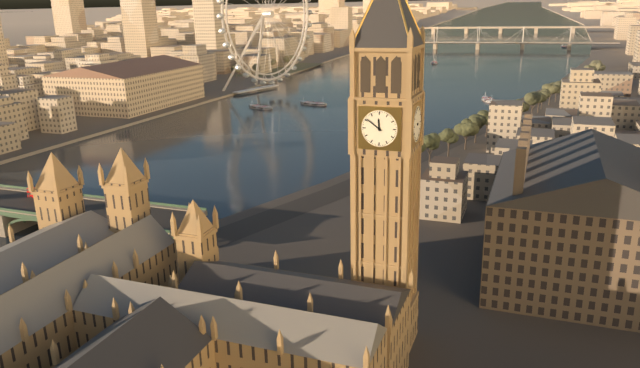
11:51
